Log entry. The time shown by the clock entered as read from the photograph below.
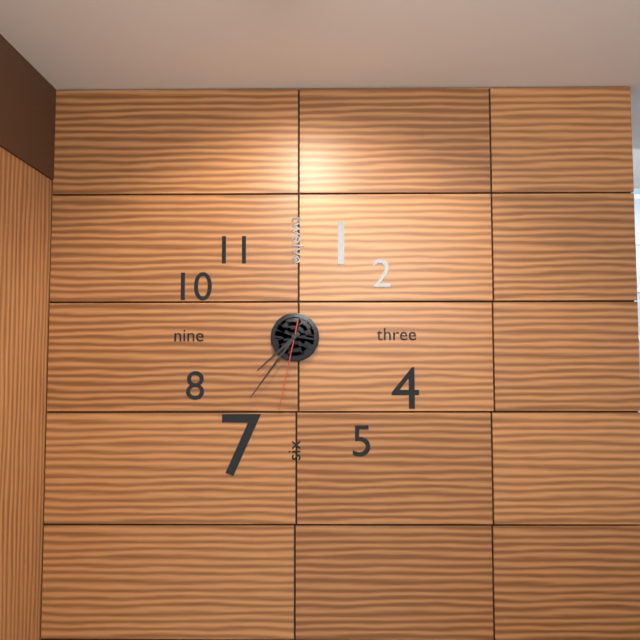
7:36:32
